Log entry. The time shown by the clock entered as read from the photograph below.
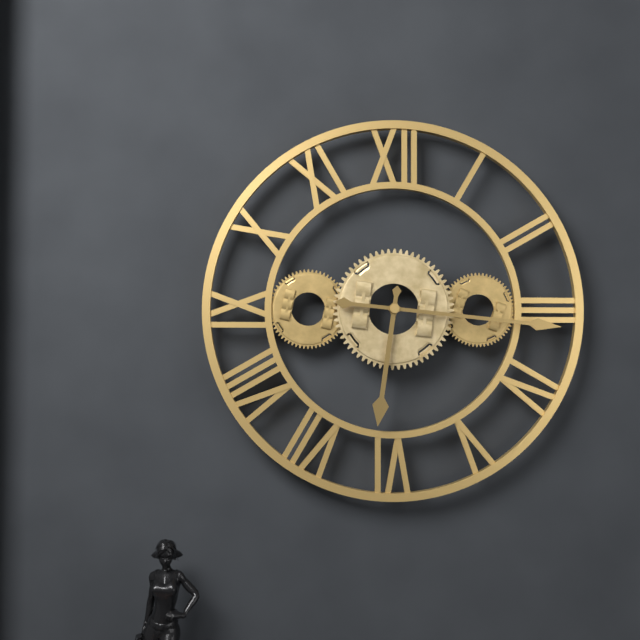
6:16
